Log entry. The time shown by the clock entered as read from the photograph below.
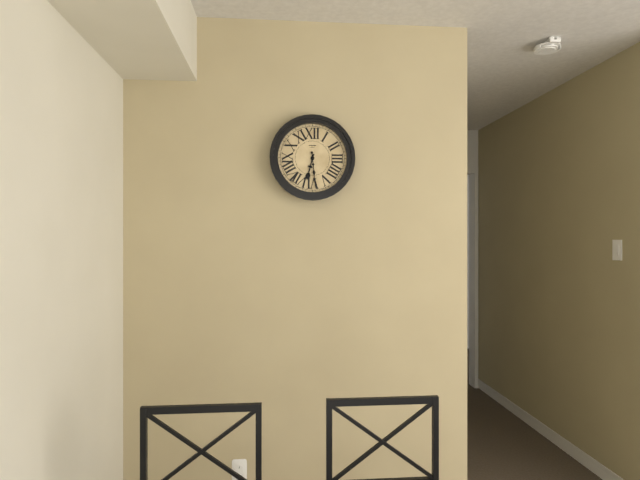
6:29
